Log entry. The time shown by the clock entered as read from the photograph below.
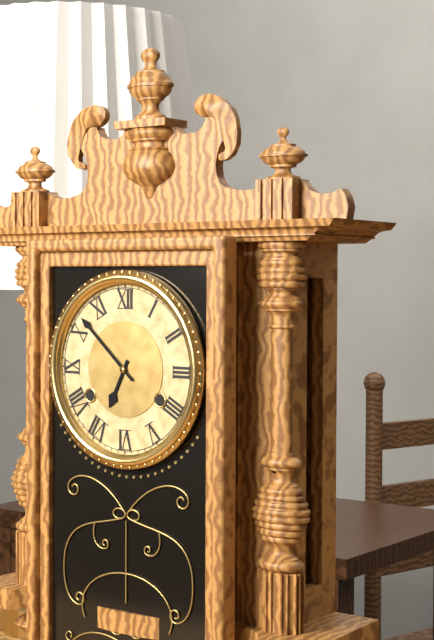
6:52
